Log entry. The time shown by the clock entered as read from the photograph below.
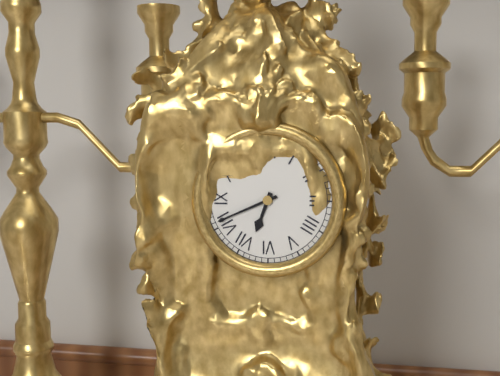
6:41
